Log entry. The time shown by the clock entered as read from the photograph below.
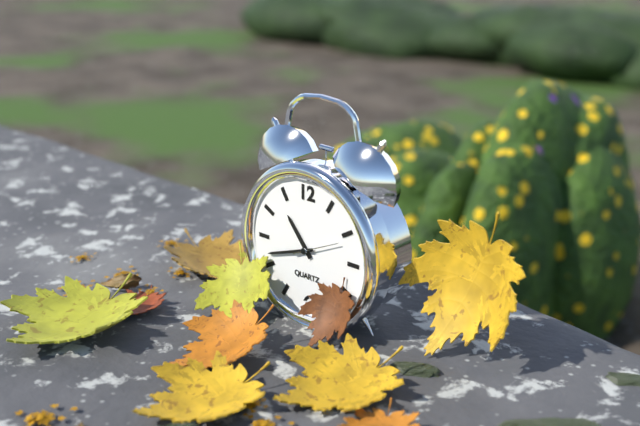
10:42
